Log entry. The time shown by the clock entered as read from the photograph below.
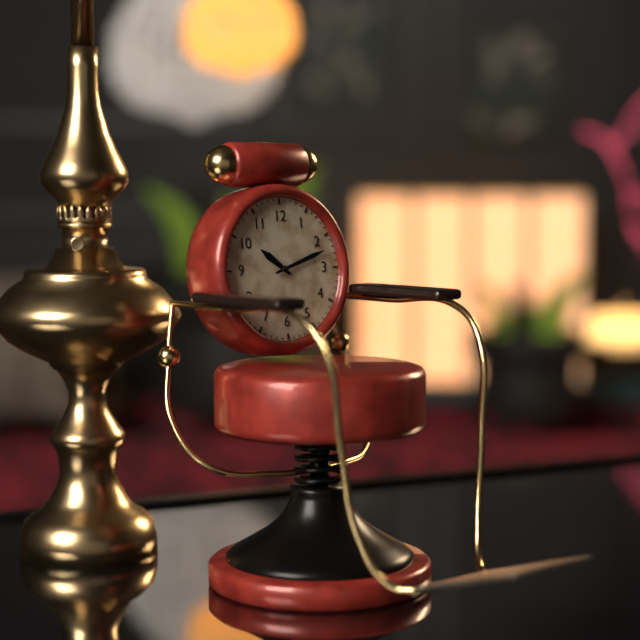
10:12
